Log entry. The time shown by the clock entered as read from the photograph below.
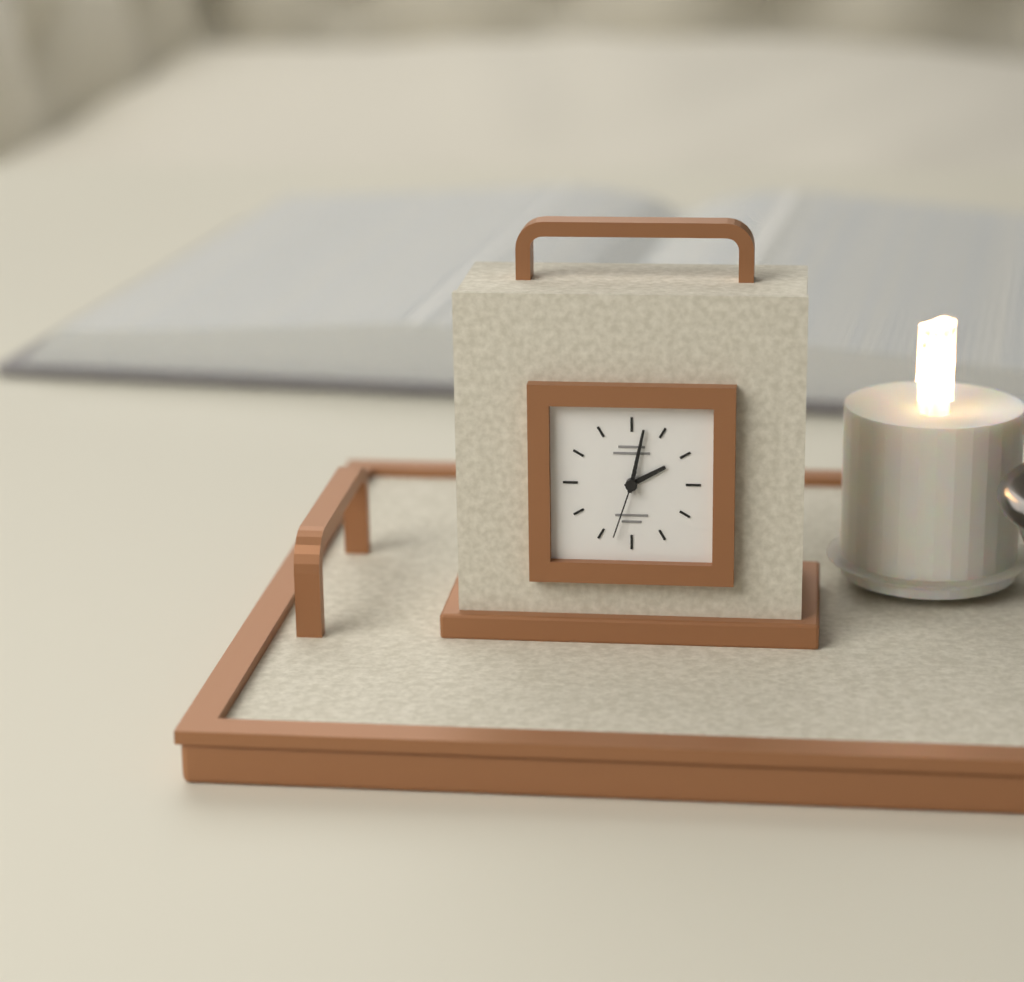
2:02:33
